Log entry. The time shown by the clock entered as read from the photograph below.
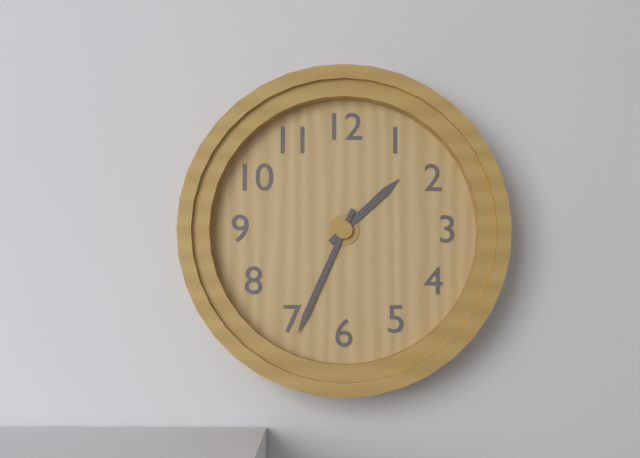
1:34
